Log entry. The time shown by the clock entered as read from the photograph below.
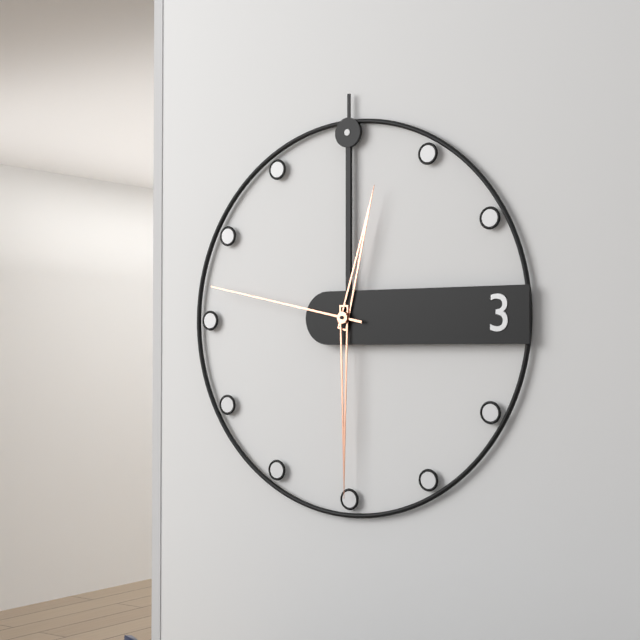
12:30:47
